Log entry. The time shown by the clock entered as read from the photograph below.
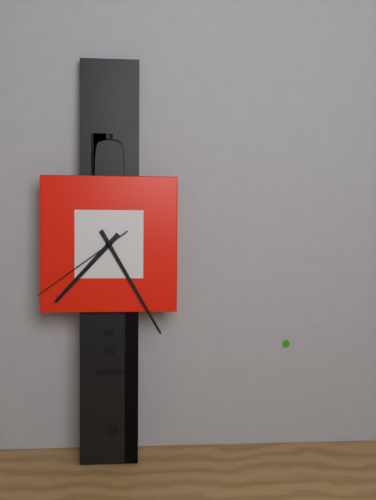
7:25:39
